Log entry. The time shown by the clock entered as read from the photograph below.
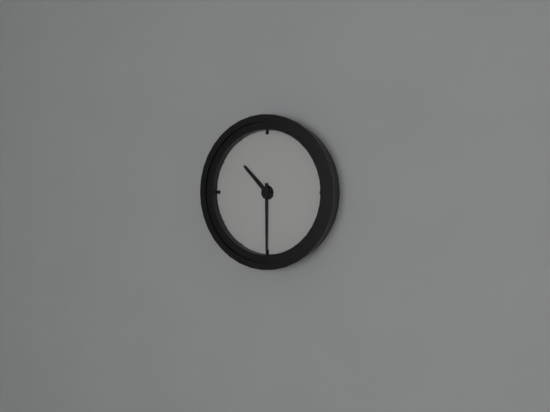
10:30
